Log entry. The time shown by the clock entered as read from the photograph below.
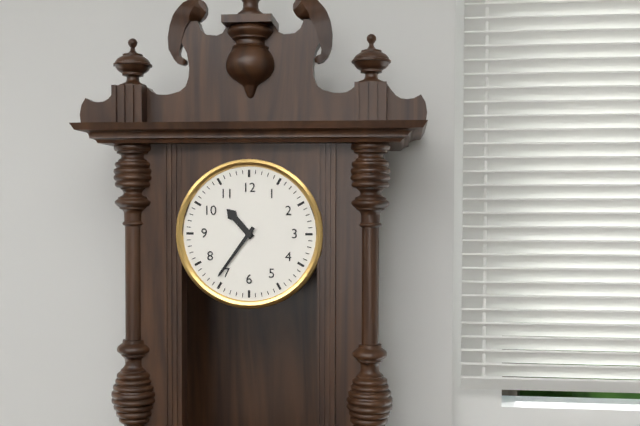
10:36
